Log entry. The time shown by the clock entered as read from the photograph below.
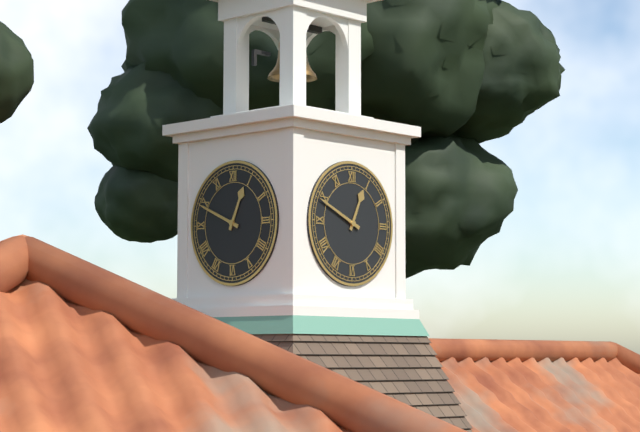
12:49
